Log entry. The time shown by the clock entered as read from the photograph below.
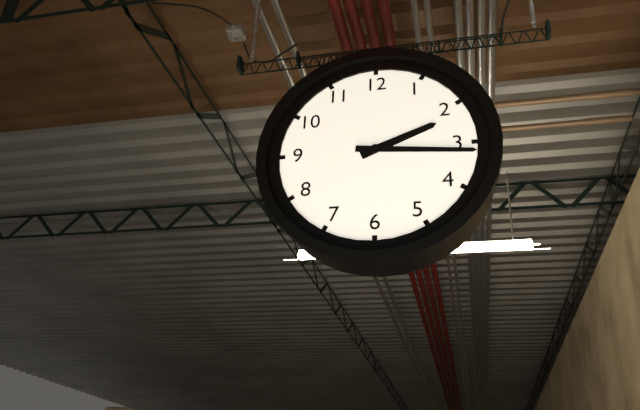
2:16
